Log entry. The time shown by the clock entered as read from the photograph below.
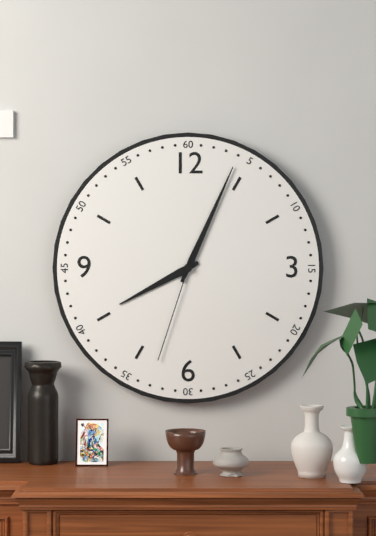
8:04:33
